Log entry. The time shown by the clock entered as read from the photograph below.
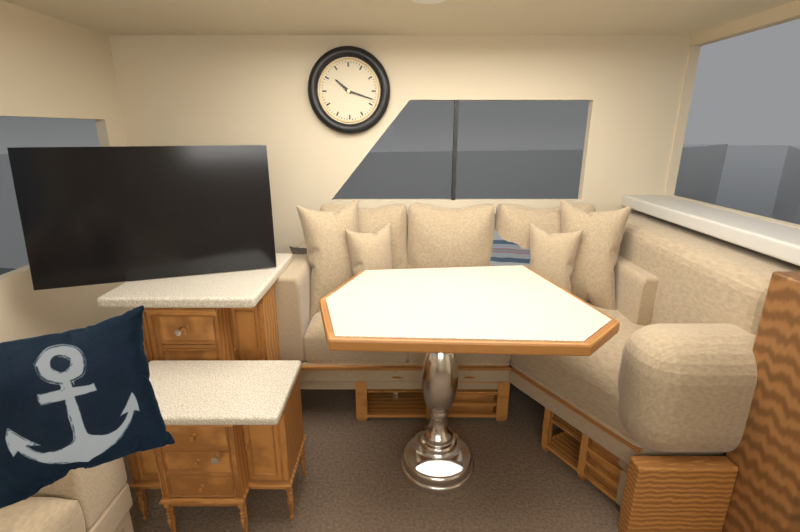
10:18
